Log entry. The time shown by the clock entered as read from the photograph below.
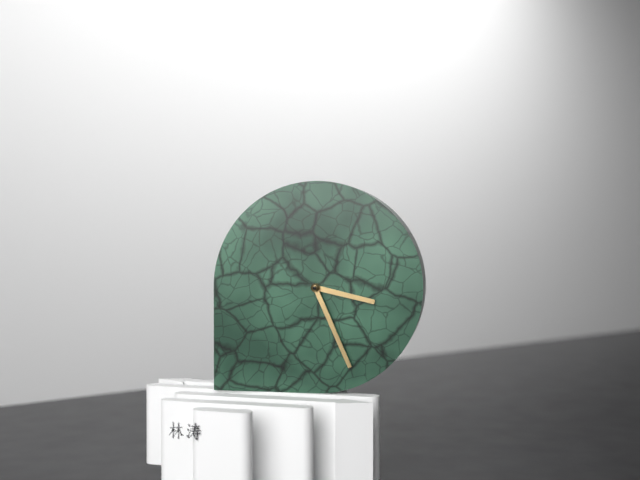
3:26
